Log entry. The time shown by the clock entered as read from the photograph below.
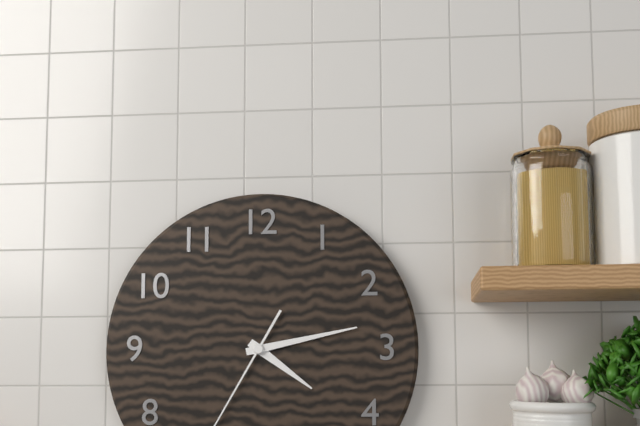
4:13
